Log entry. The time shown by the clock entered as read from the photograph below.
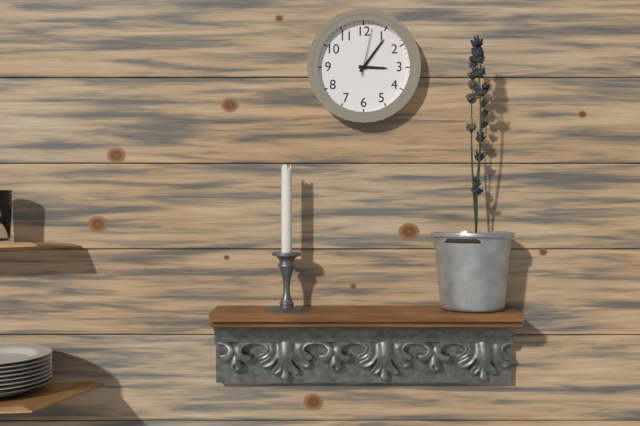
3:06
